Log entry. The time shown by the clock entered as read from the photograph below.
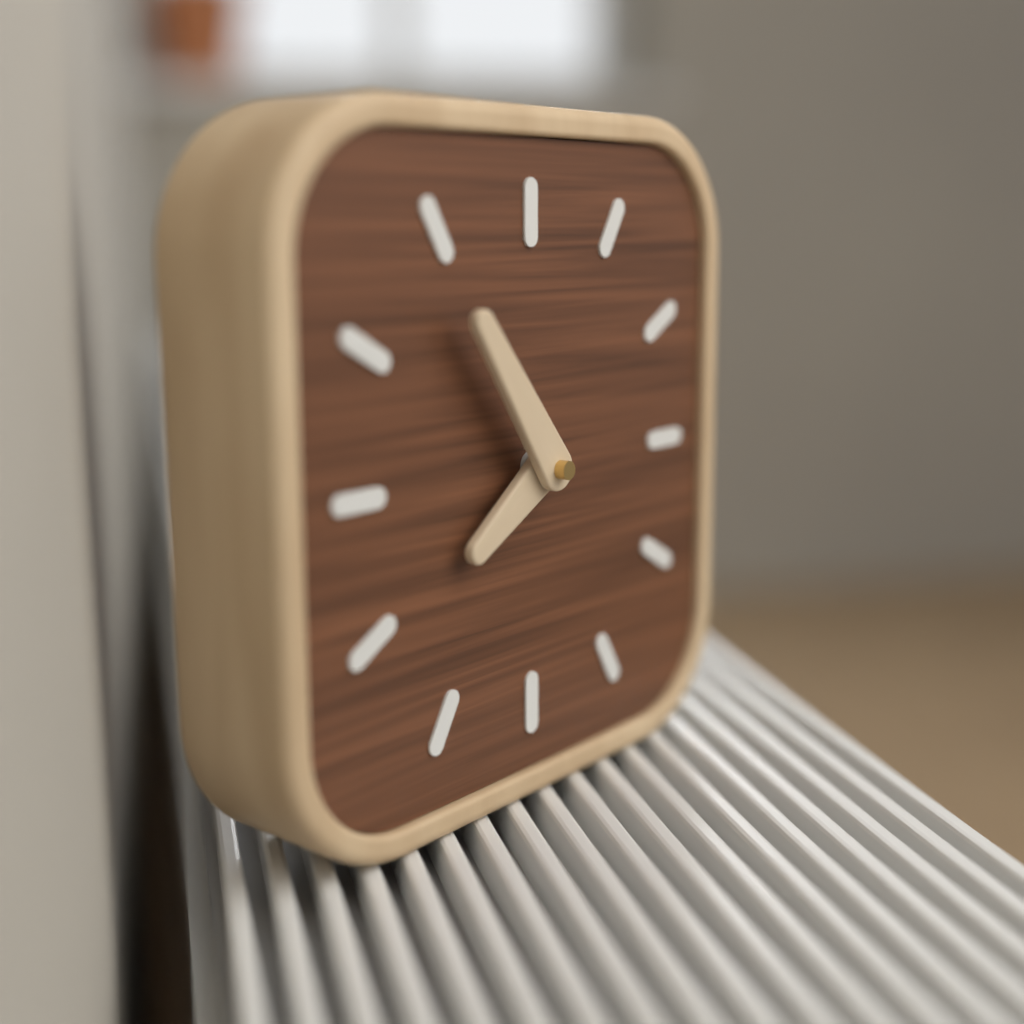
7:54
